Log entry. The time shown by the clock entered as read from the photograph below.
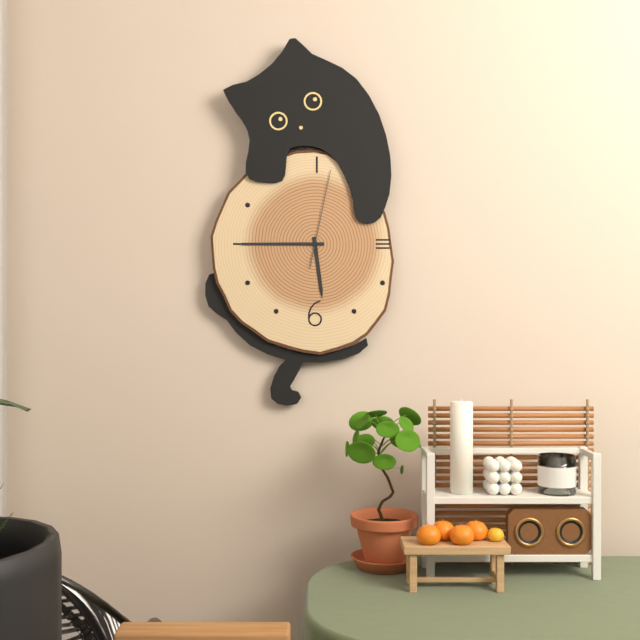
5:45:02
